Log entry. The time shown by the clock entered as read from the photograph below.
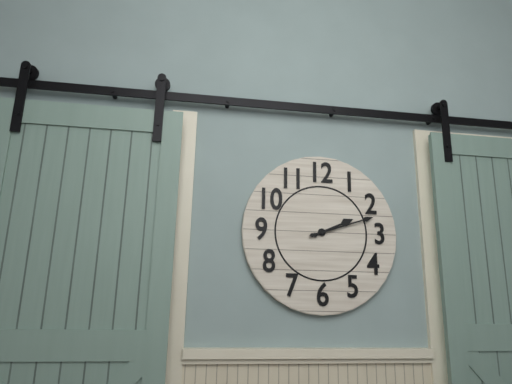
2:12
